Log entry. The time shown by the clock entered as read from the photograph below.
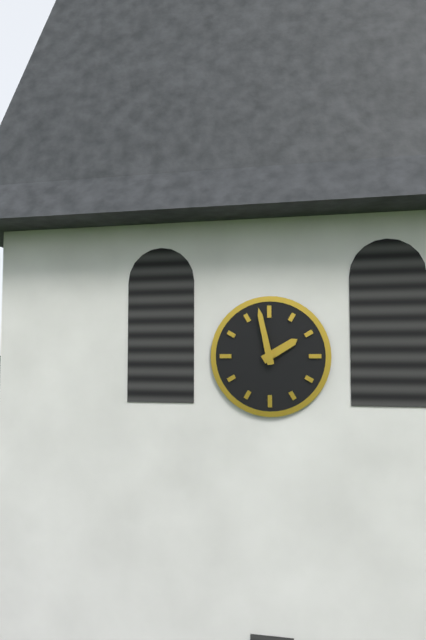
1:58
